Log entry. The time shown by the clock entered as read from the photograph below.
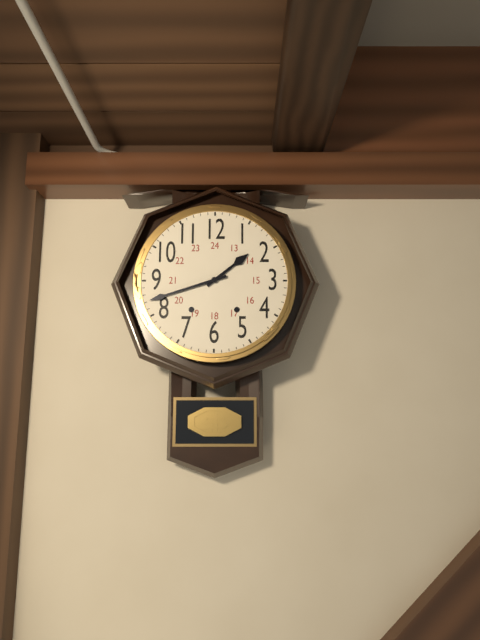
1:42
